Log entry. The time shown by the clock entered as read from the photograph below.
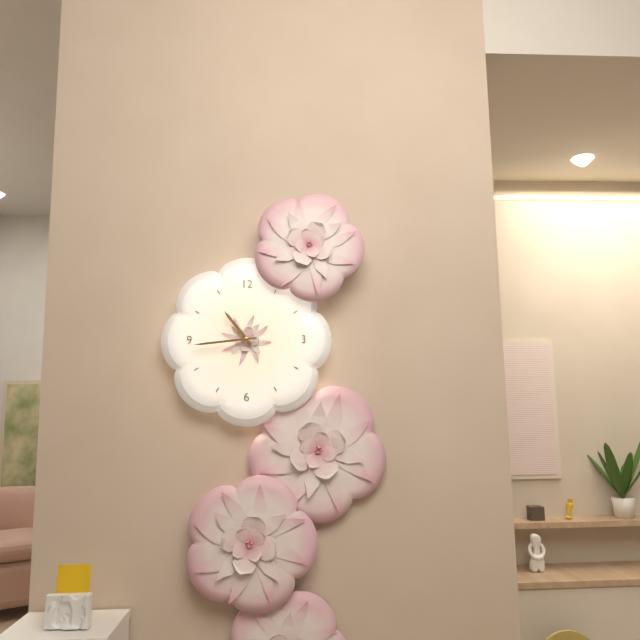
10:44
